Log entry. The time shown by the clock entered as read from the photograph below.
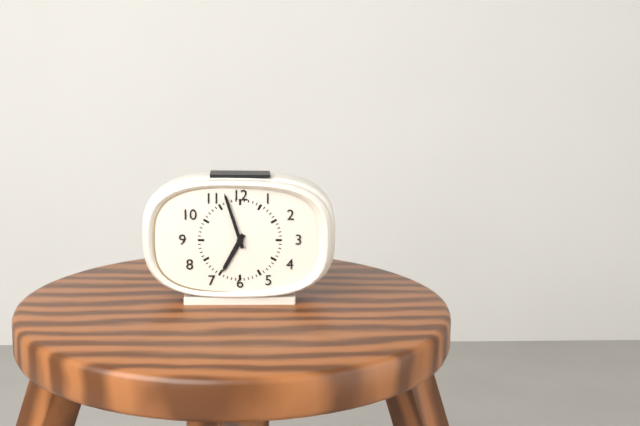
6:57
